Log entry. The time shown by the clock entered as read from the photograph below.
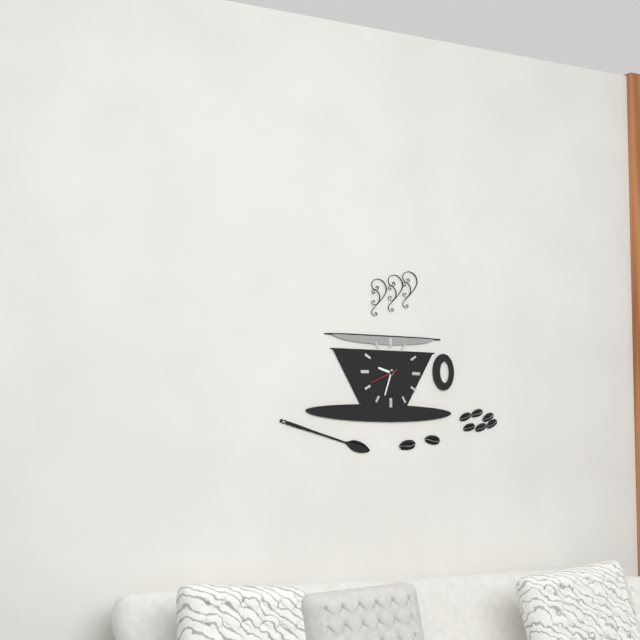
9:33
